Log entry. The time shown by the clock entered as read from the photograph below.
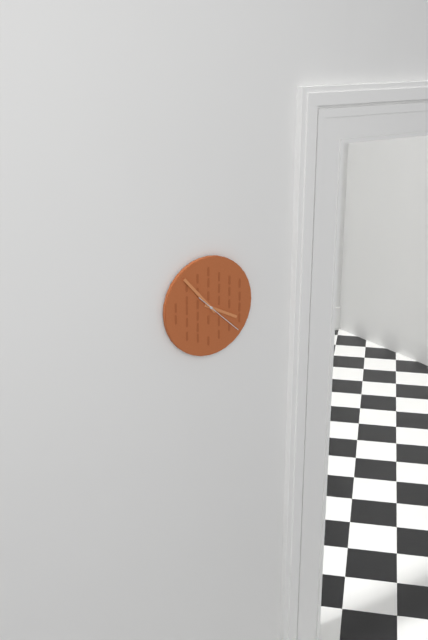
3:53
